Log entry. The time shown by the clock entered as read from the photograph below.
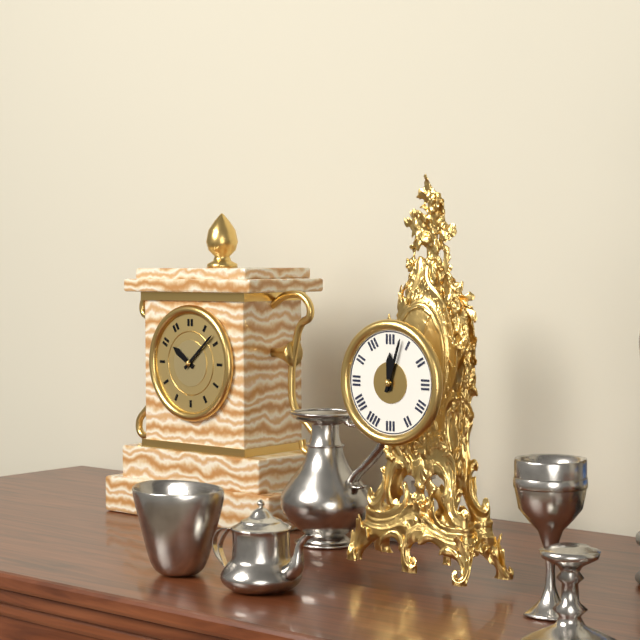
12:03
